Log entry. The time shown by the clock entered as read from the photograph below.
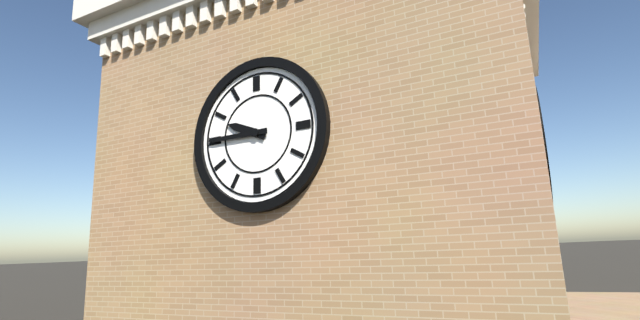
9:45
